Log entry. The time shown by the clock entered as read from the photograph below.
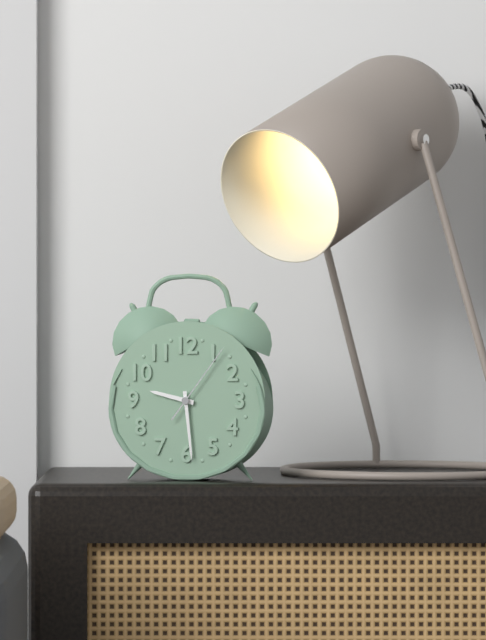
9:29:06
